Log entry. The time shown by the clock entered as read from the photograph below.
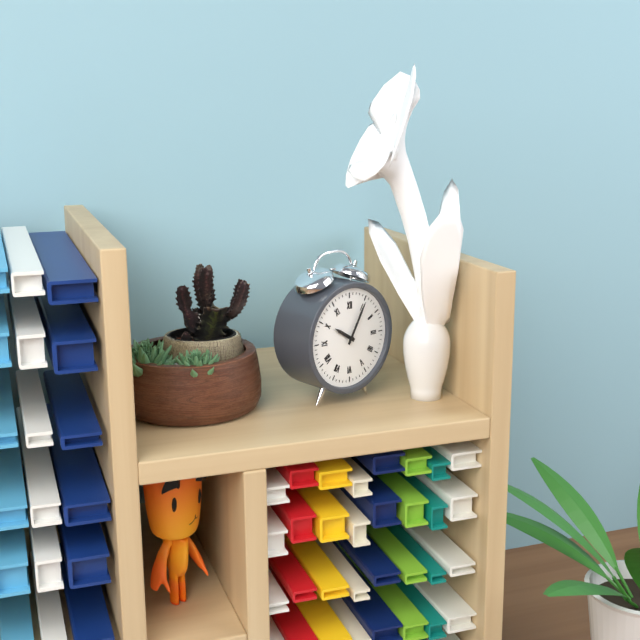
10:05
